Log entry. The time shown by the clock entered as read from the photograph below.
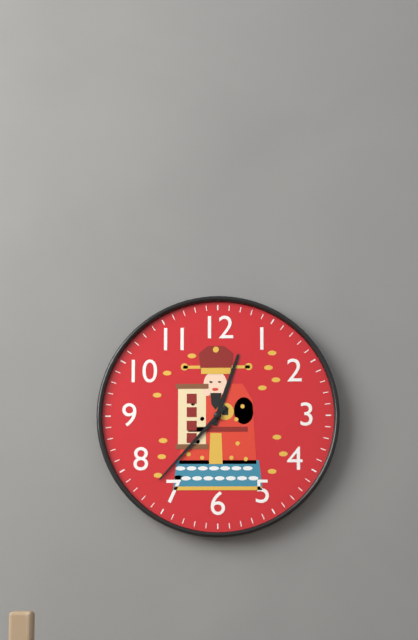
12:37
